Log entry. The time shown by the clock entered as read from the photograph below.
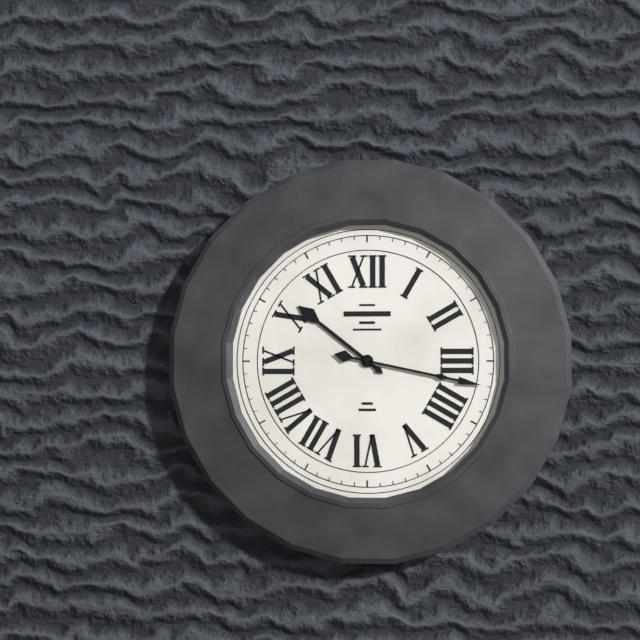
10:17
